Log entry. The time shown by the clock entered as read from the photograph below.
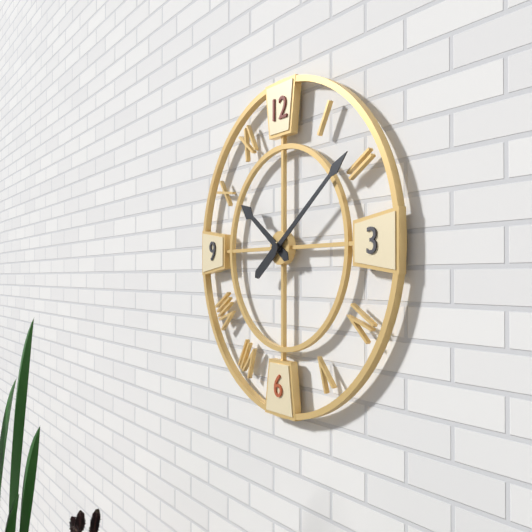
10:09
